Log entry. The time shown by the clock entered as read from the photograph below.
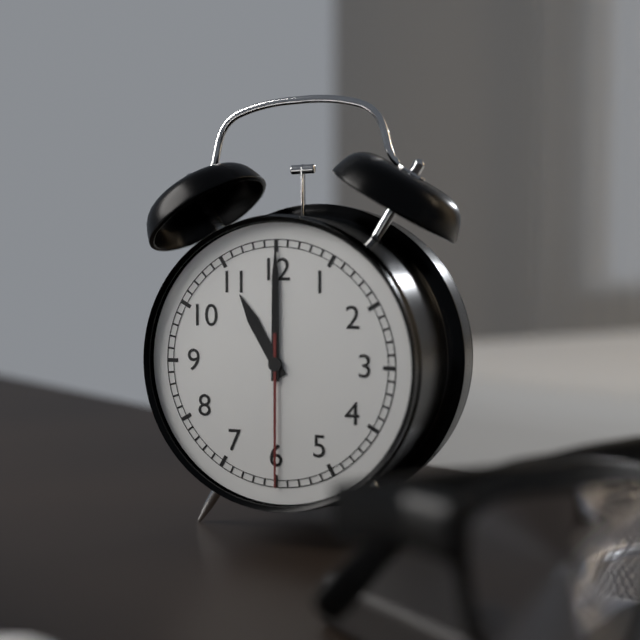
11:00:30
